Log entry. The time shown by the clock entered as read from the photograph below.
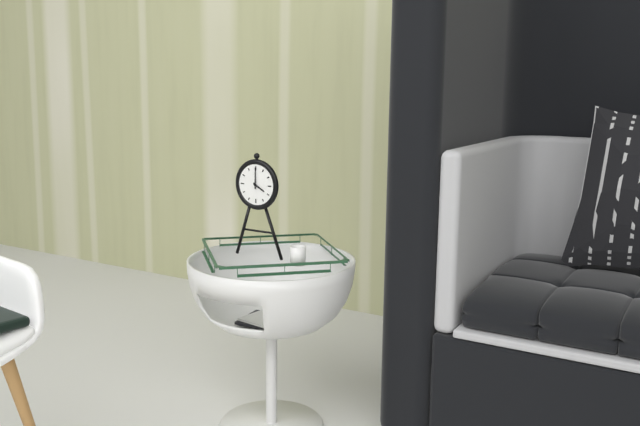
4:00
